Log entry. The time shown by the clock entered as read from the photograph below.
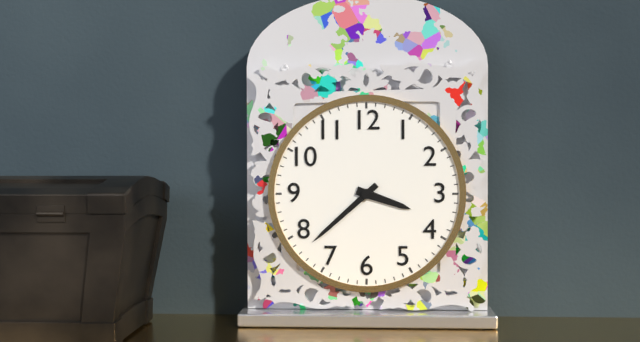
3:38
